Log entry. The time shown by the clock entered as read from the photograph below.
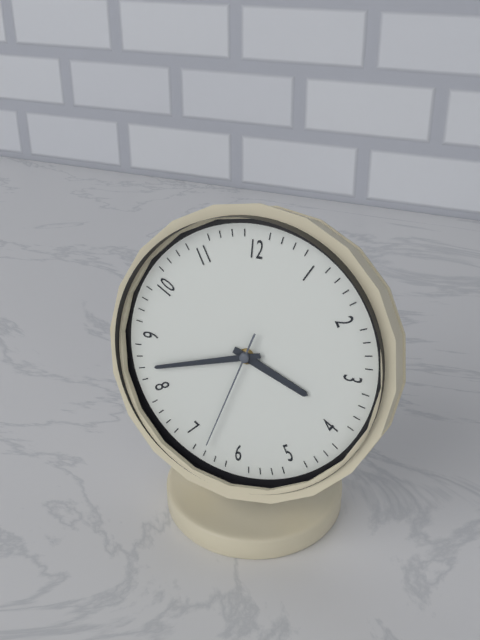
3:42:33
